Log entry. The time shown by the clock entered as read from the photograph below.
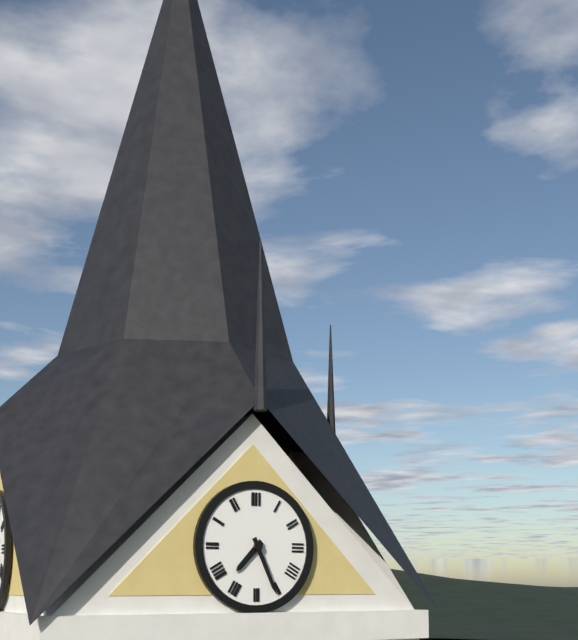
7:26
